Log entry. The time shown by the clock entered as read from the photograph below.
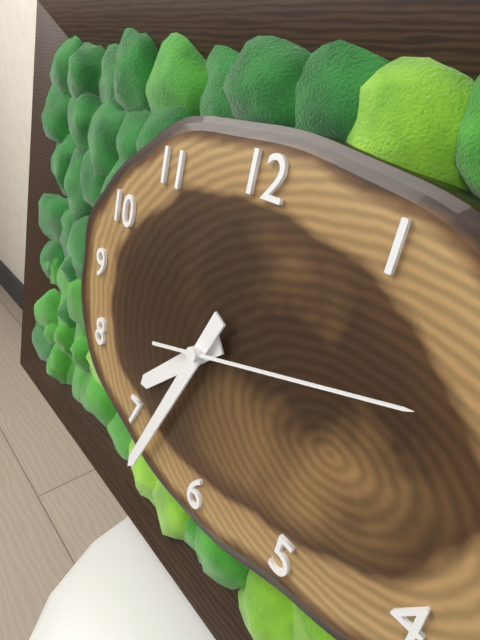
7:34:12
